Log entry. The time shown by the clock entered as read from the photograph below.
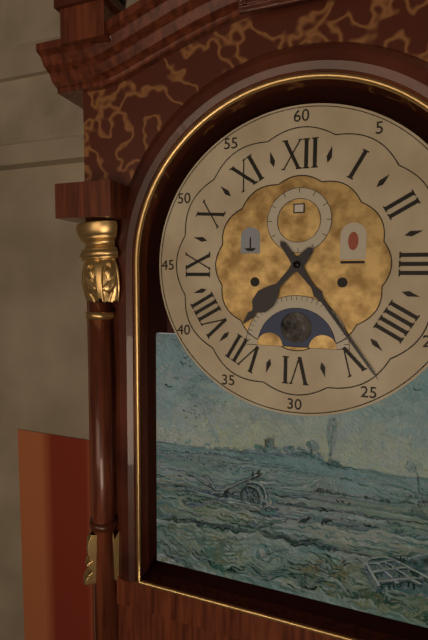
7:24
